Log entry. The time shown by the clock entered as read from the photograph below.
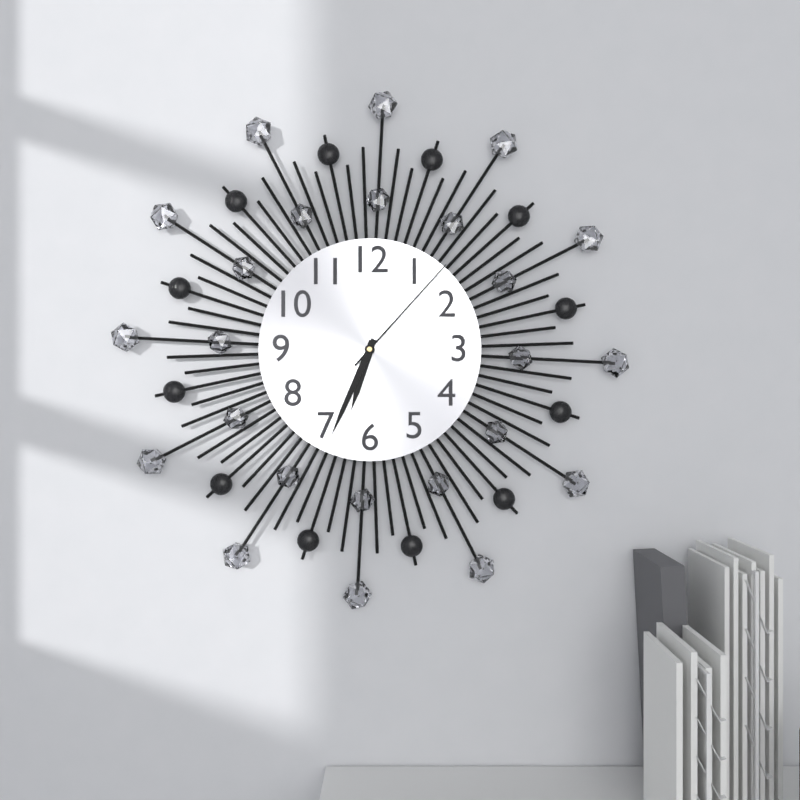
6:34:07
